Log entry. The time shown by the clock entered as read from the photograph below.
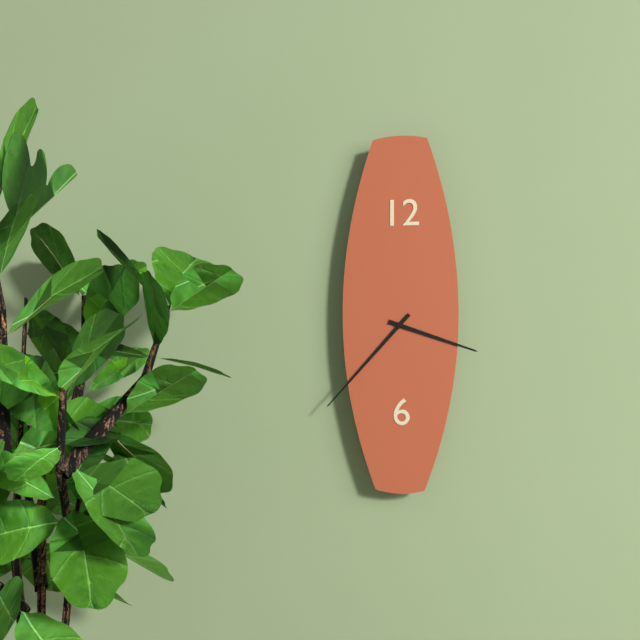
3:37
